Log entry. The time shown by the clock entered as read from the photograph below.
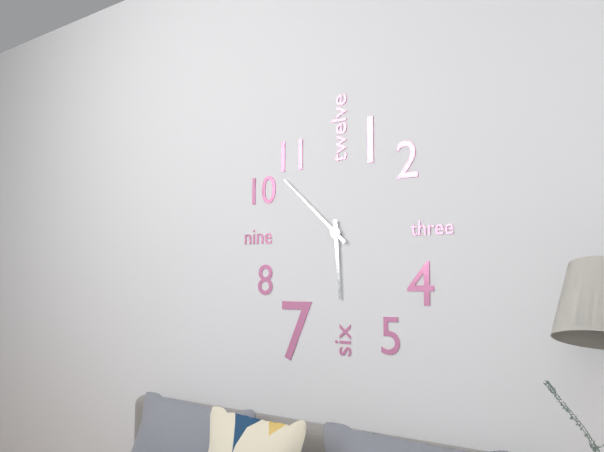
5:52
